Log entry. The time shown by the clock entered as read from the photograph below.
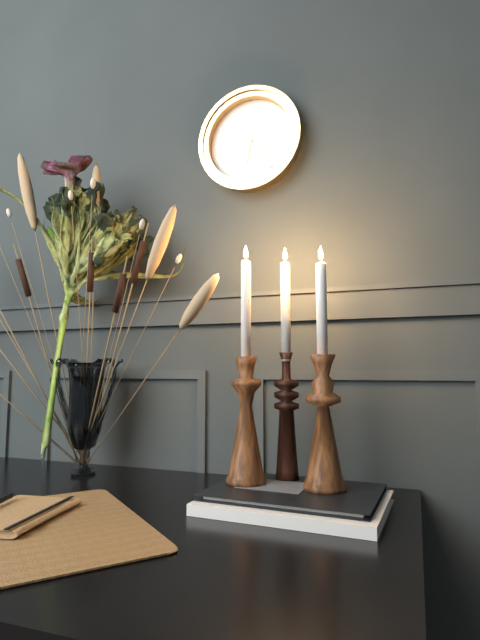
6:24
